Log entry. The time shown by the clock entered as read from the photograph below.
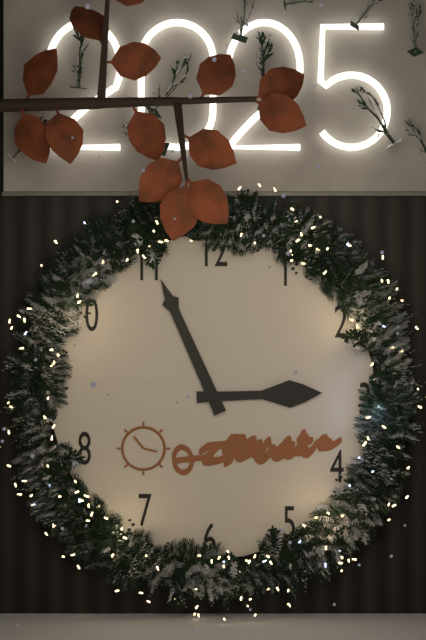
2:56
